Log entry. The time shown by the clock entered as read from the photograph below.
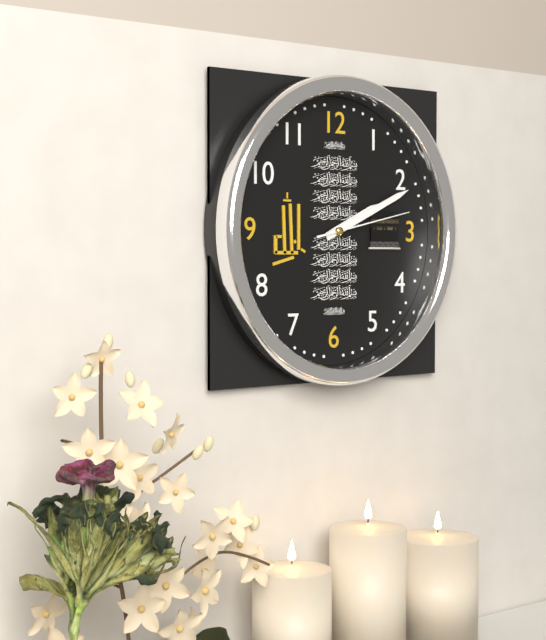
2:11:13
